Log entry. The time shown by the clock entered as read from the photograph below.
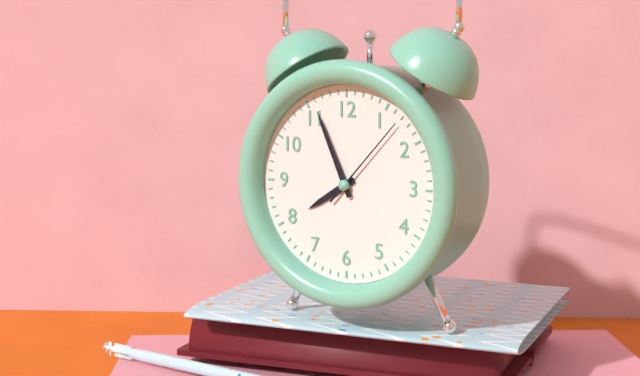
7:56:07
